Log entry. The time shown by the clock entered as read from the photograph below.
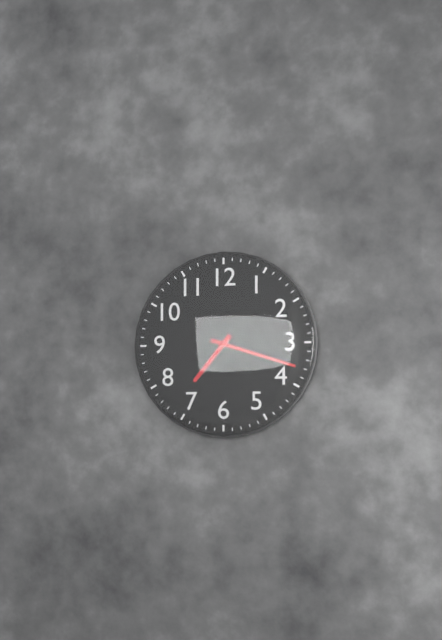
7:18
